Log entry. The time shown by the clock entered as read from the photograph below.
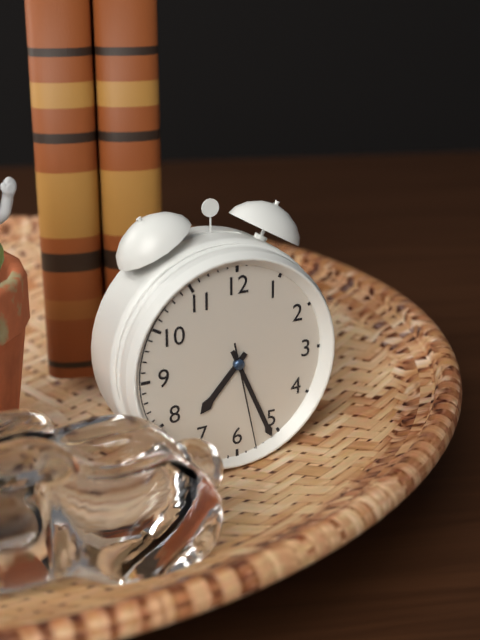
7:26:28
